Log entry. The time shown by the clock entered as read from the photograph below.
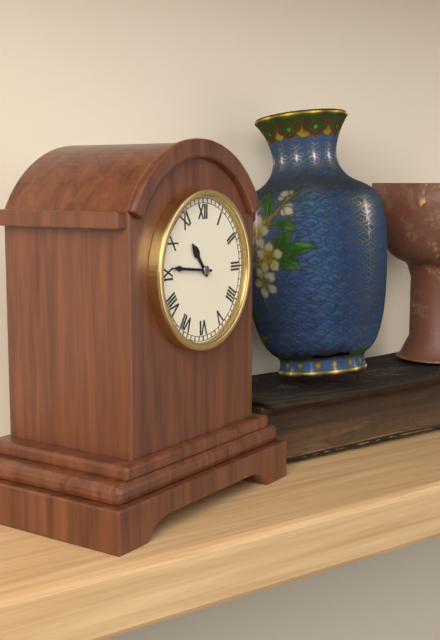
10:46
